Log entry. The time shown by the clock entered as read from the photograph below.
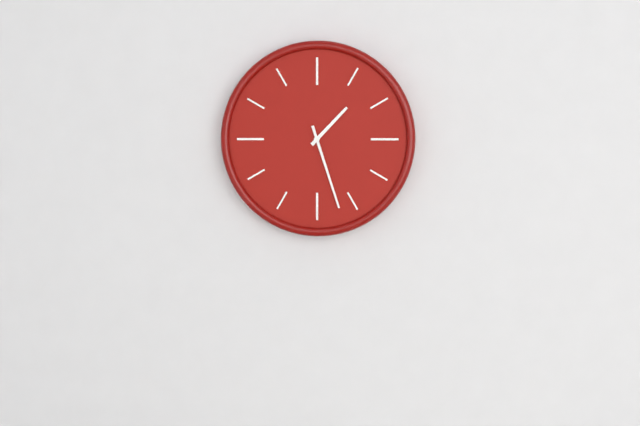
1:27
